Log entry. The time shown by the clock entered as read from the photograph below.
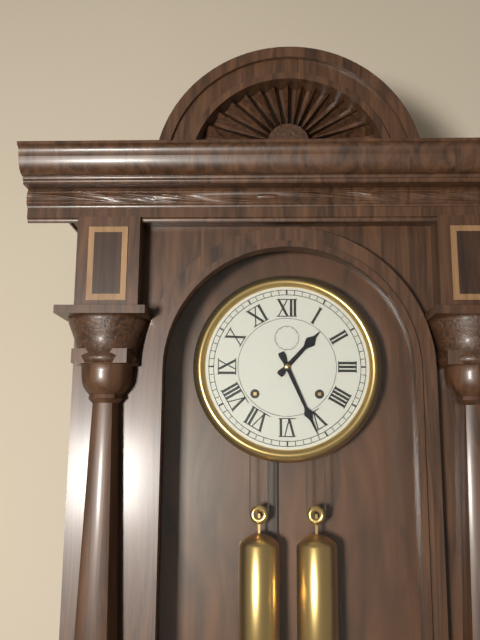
1:26
